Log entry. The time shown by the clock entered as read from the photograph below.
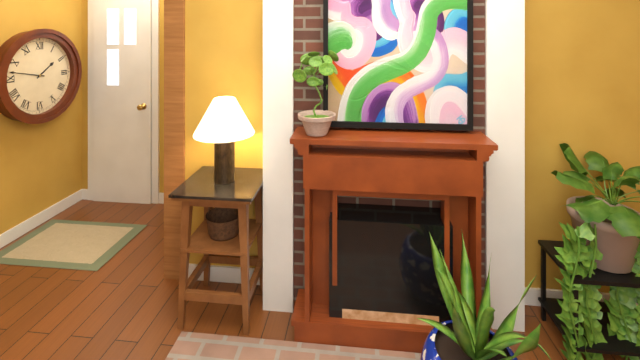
1:47
